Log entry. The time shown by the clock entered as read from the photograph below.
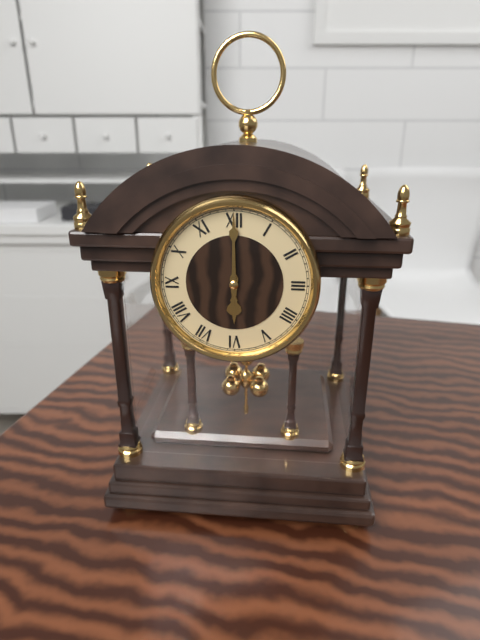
6:00
